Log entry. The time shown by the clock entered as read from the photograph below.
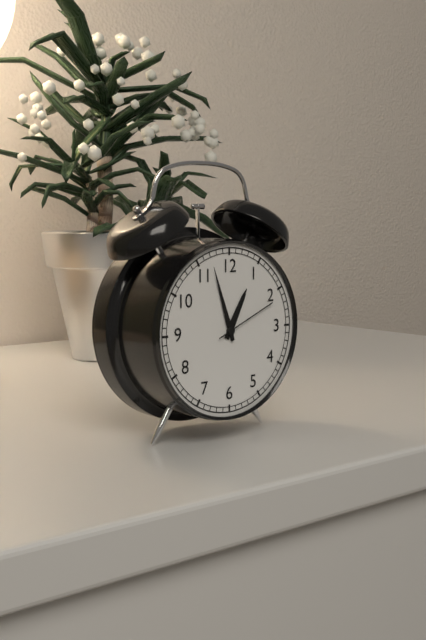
12:57:11
